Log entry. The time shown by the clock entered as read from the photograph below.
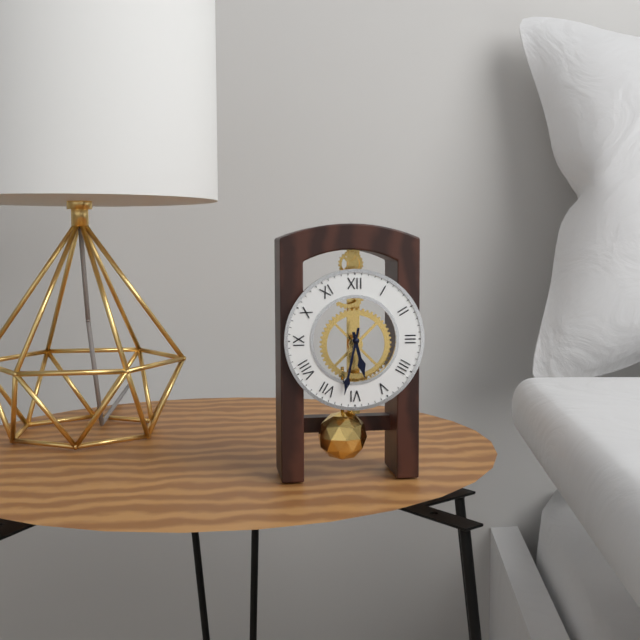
5:32
